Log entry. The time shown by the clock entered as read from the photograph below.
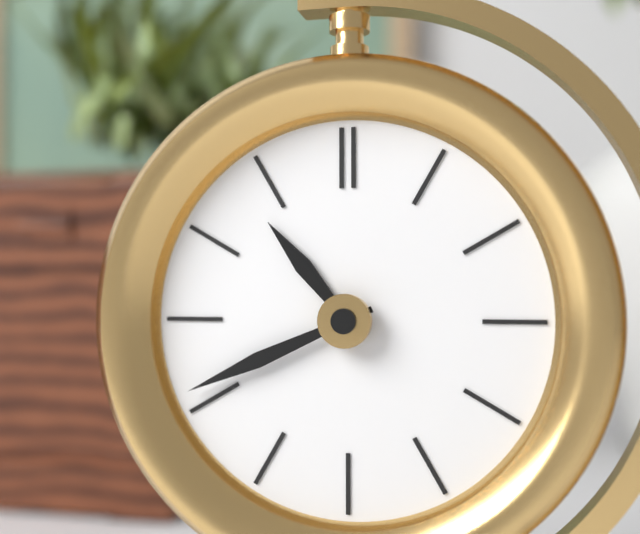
10:41
